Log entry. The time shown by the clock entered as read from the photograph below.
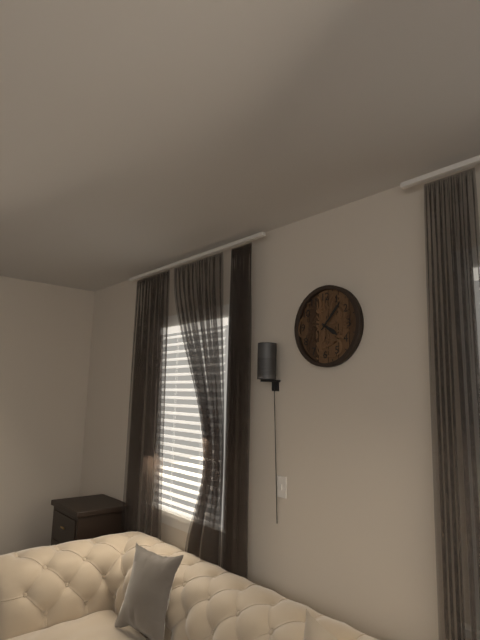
4:07
